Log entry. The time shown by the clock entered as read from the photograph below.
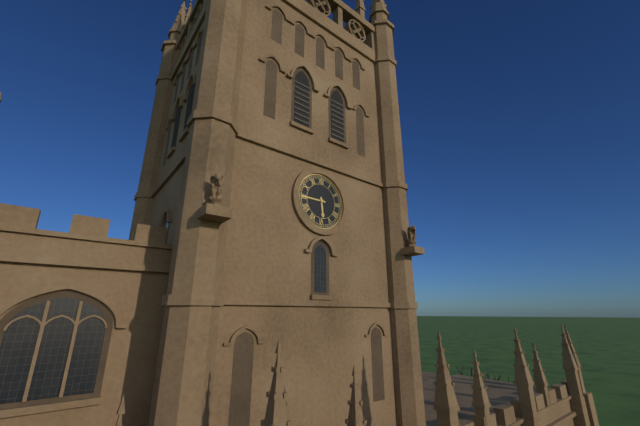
5:45
